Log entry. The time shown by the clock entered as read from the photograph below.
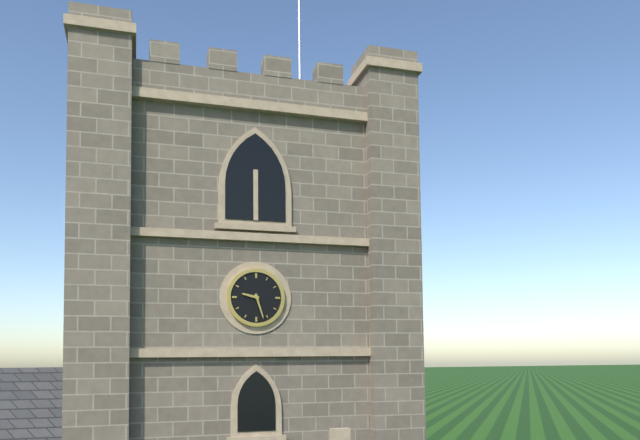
9:27
